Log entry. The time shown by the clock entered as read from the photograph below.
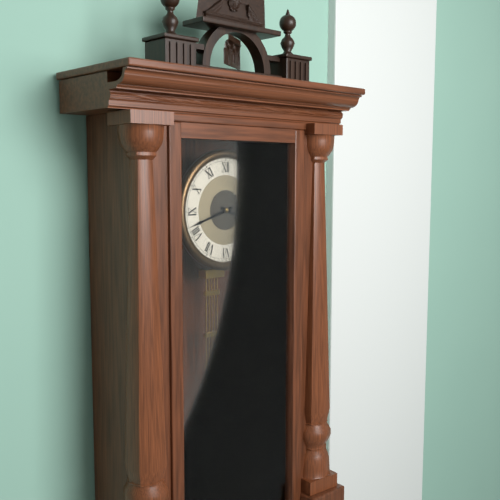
3:42
